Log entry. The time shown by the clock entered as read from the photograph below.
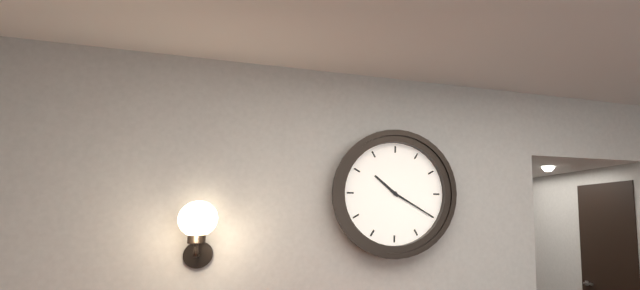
10:20
